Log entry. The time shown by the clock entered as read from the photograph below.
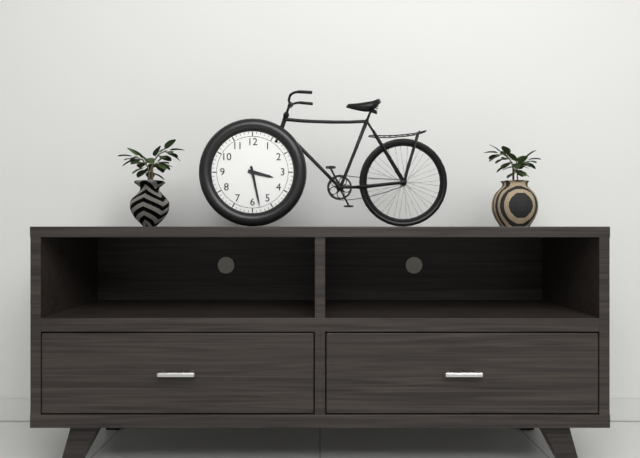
3:28
